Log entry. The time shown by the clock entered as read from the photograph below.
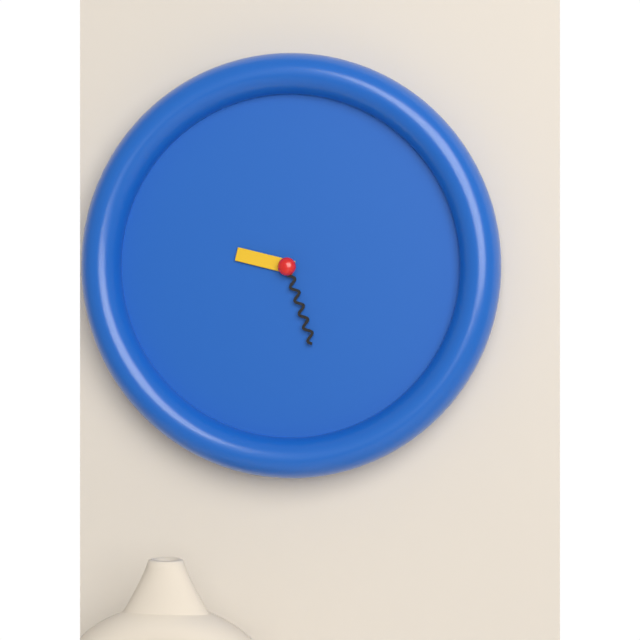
9:27
